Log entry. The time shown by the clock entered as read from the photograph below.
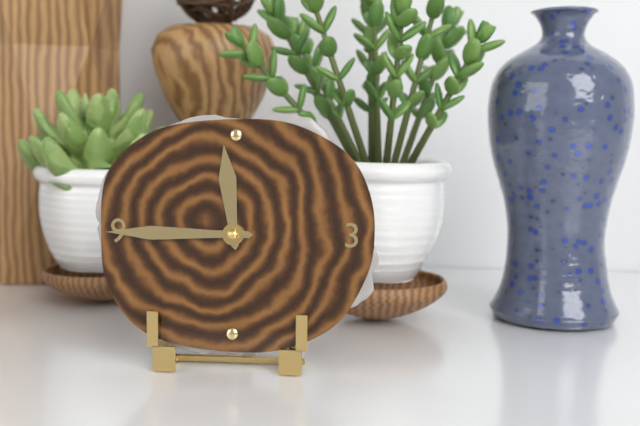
11:45
